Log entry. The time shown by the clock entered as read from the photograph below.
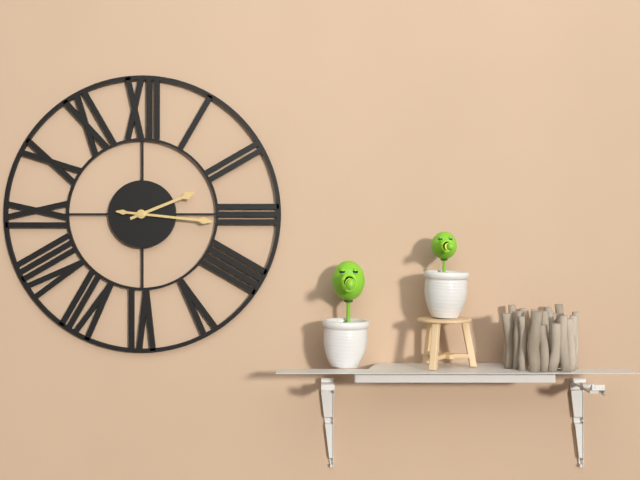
2:16
